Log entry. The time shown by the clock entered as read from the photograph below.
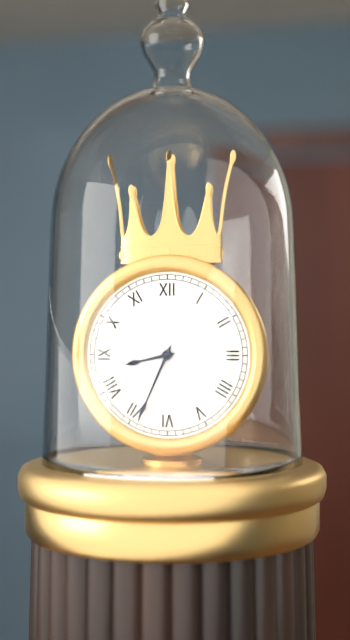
8:34
